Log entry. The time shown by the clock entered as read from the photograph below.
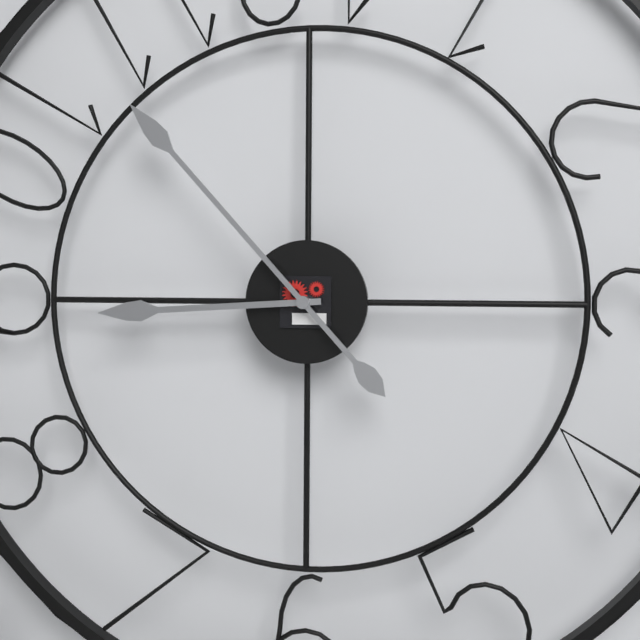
8:53
